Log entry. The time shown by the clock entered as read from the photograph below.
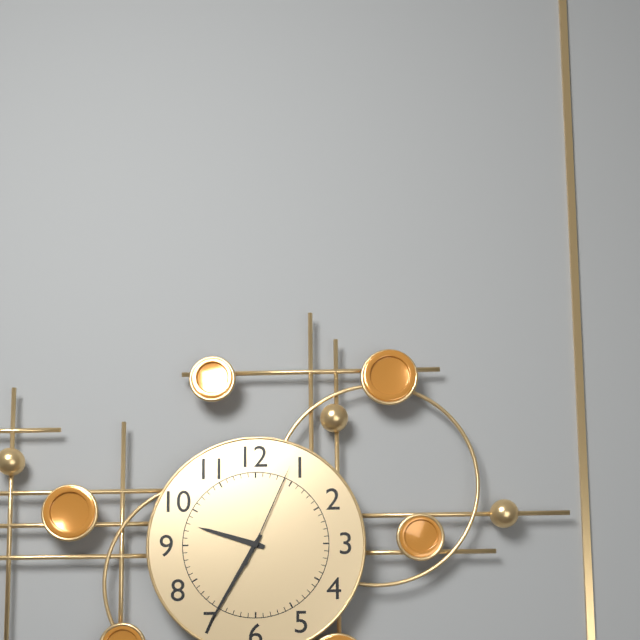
9:35:04
